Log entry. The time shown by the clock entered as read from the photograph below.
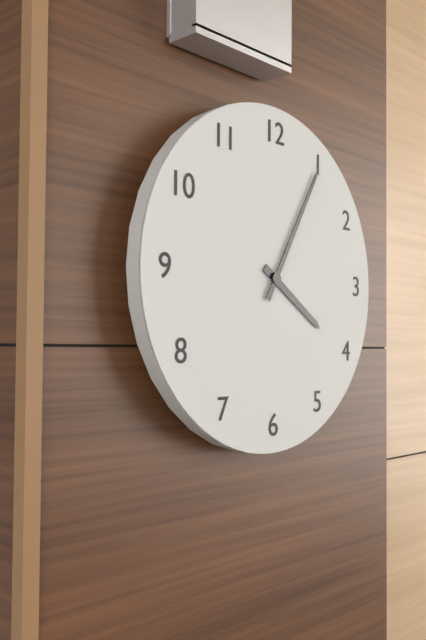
4:05
